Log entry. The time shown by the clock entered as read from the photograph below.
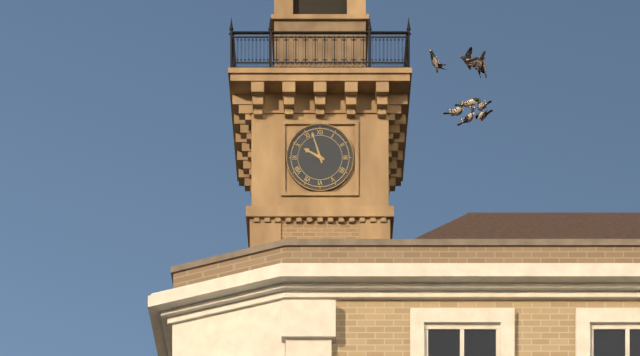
9:57
